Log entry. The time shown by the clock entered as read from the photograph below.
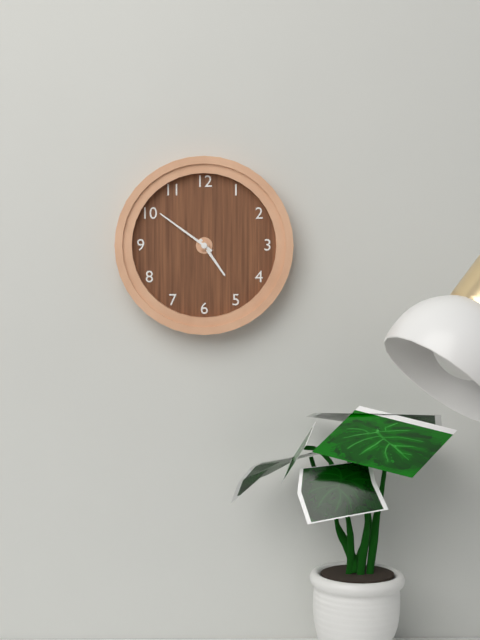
4:51
